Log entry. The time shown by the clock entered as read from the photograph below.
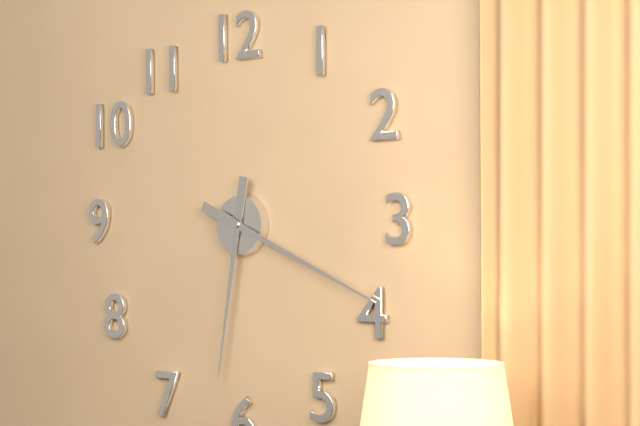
6:19
